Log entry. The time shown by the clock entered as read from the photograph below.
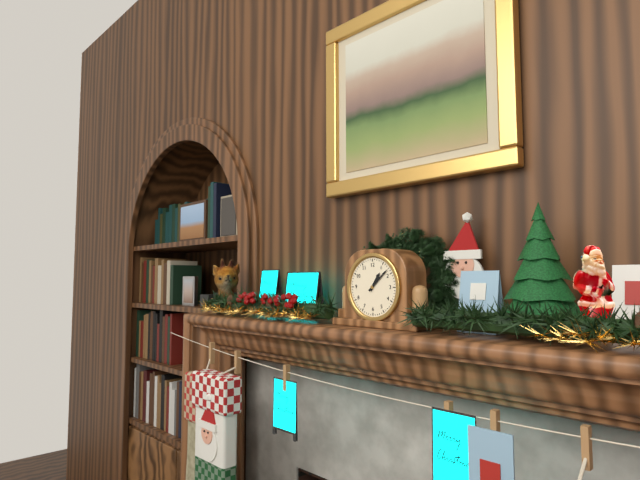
1:08
